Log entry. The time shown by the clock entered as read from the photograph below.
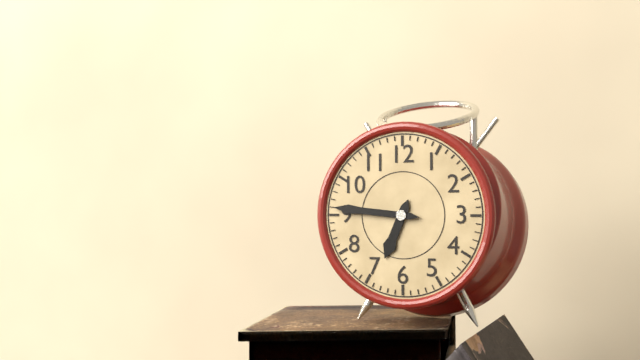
6:46
